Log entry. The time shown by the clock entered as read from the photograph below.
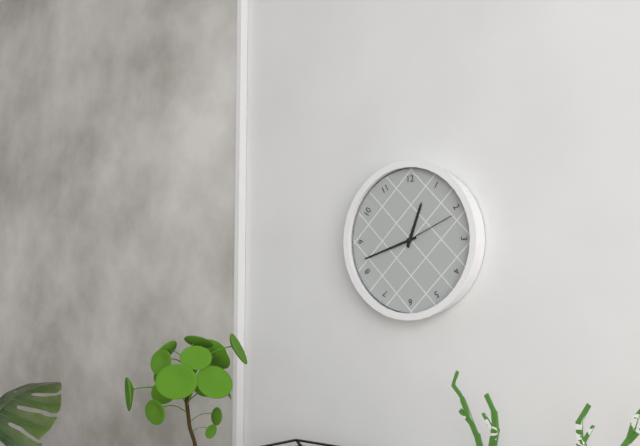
12:42:11
